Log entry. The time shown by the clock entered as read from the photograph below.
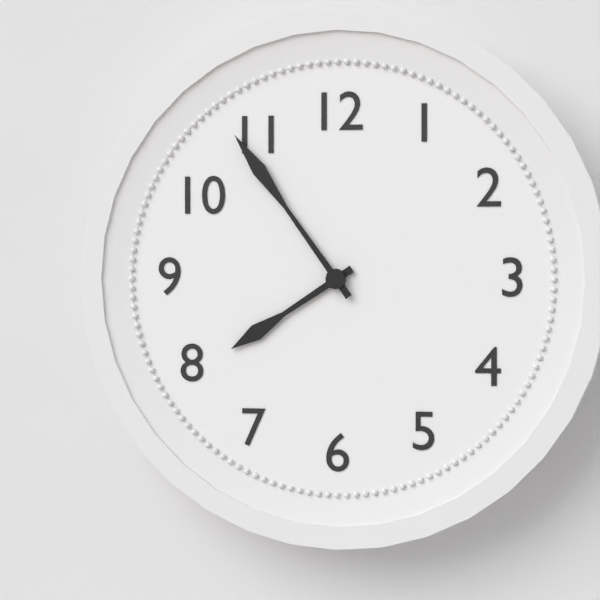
7:54
